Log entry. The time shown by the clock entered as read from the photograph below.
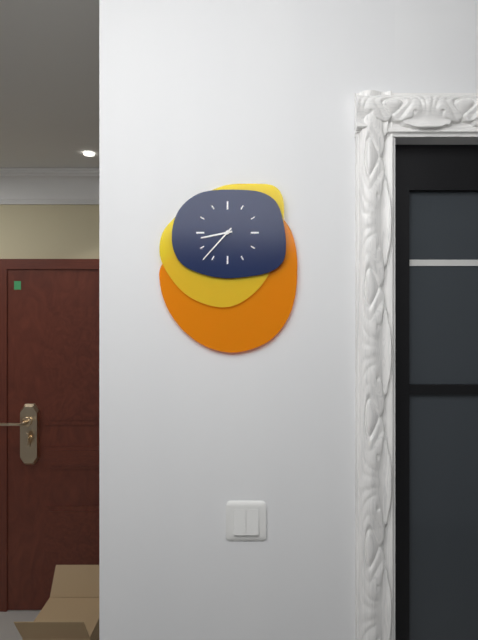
8:37
